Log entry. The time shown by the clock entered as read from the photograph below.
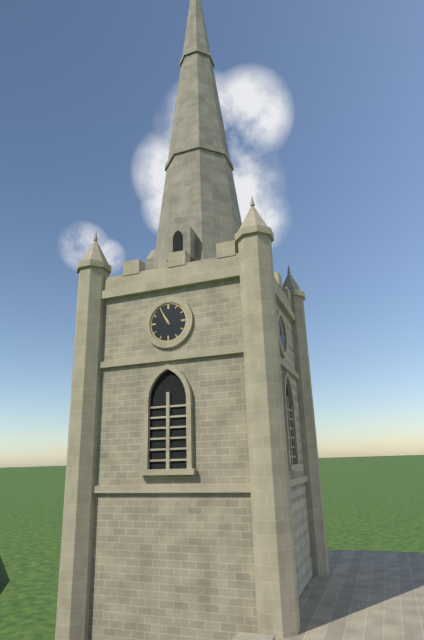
10:55
